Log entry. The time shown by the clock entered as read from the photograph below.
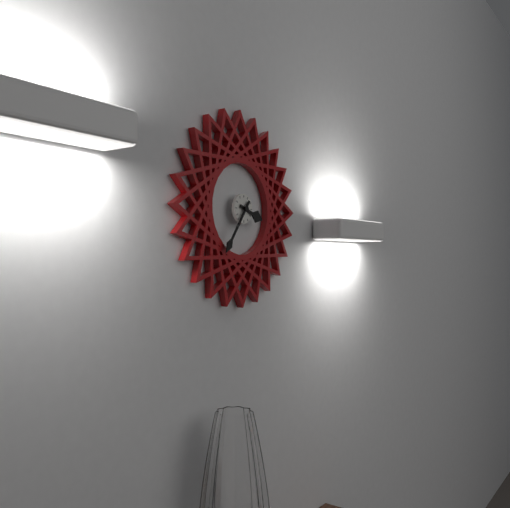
3:36
